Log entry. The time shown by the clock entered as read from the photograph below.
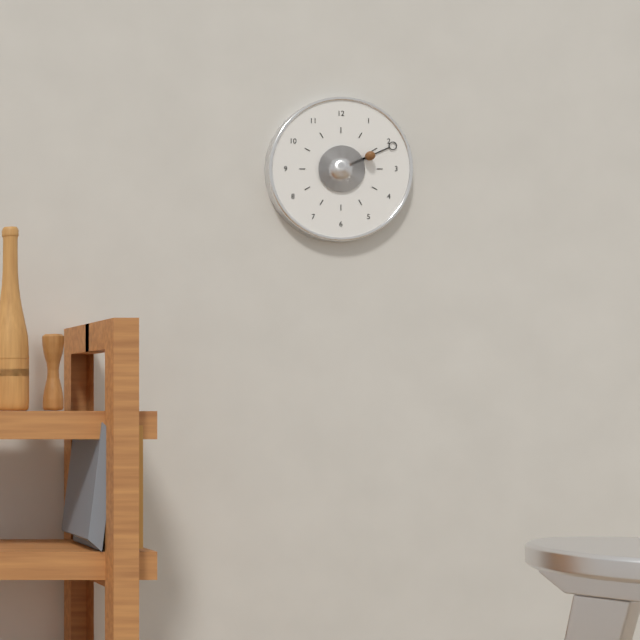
2:11
